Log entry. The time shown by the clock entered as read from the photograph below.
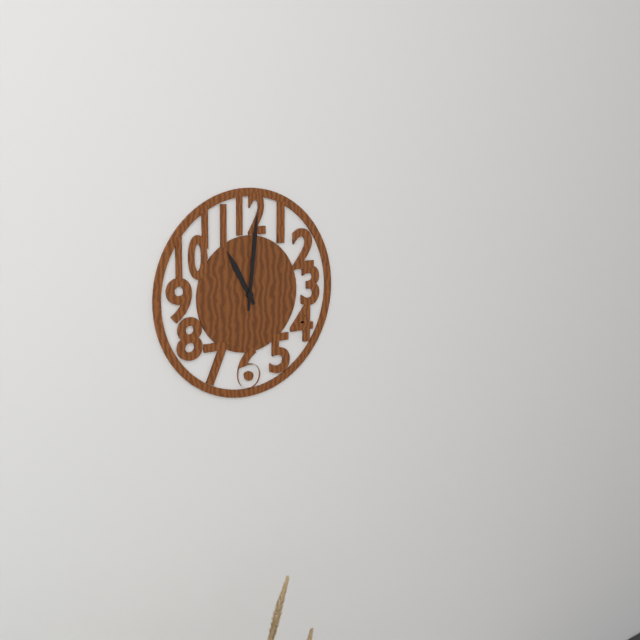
11:01
